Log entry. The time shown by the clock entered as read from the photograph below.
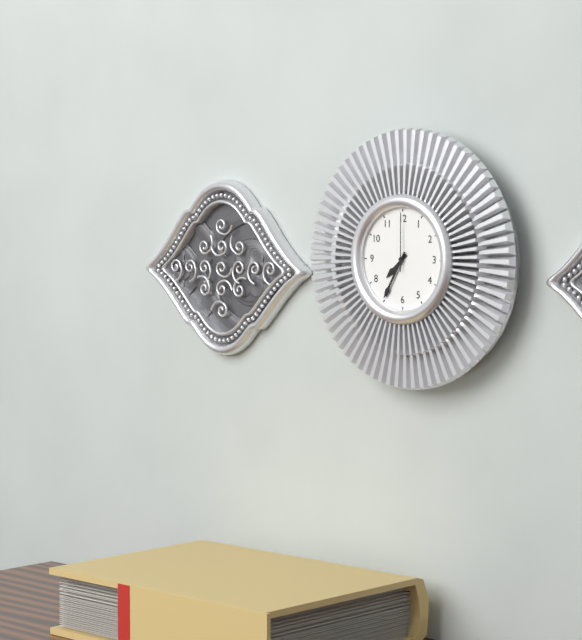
7:35:00
